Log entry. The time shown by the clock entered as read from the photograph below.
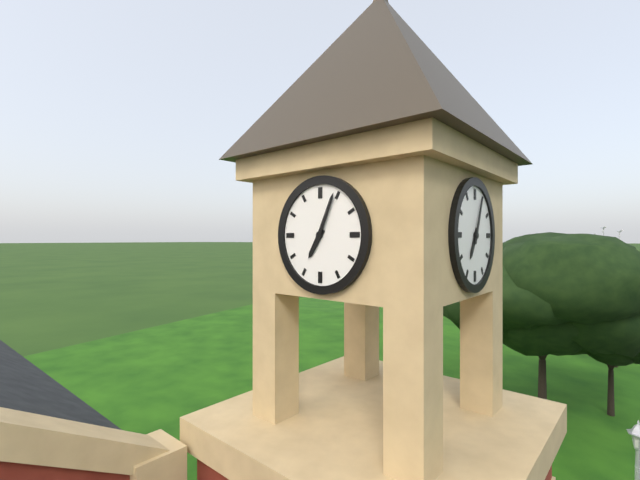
7:04
